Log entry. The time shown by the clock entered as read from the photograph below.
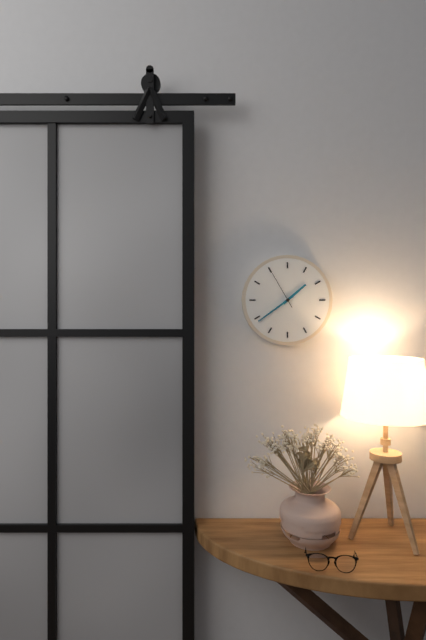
1:39
